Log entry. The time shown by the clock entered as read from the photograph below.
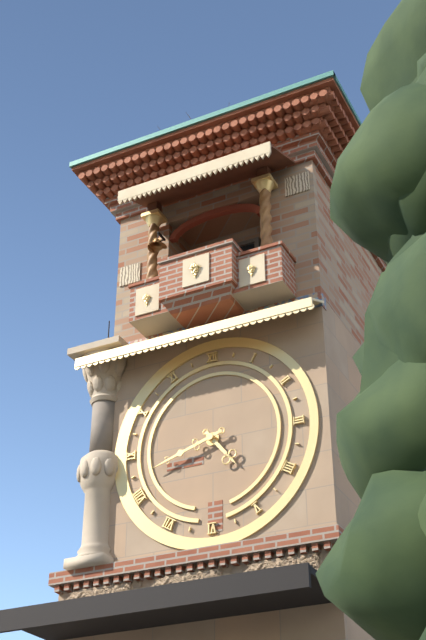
4:42
